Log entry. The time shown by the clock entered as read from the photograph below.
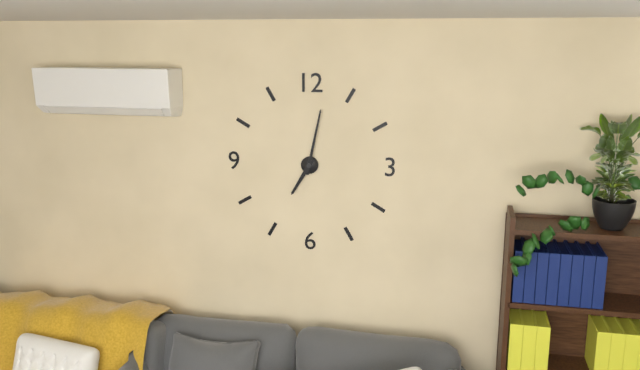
7:02
